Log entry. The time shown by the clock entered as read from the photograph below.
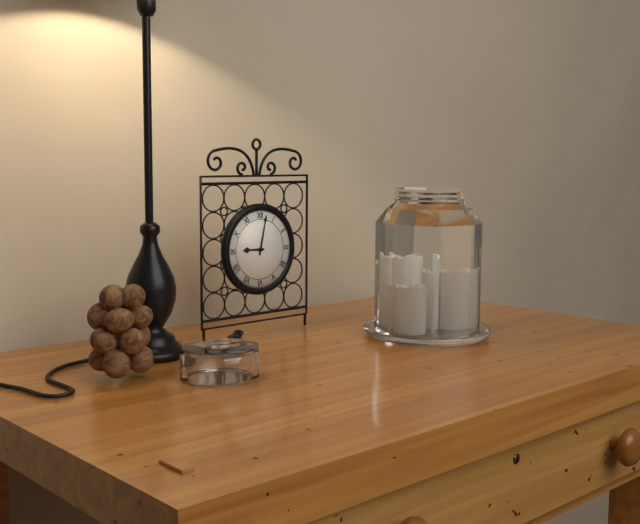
9:02
